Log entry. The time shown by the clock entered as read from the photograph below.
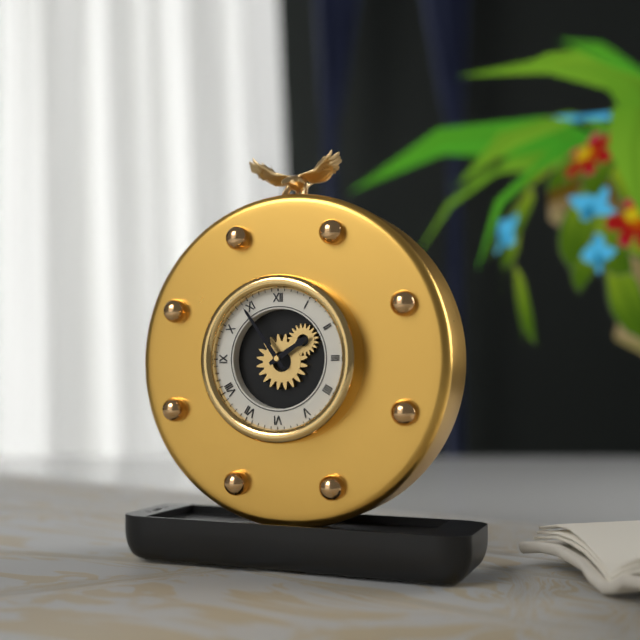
1:54
